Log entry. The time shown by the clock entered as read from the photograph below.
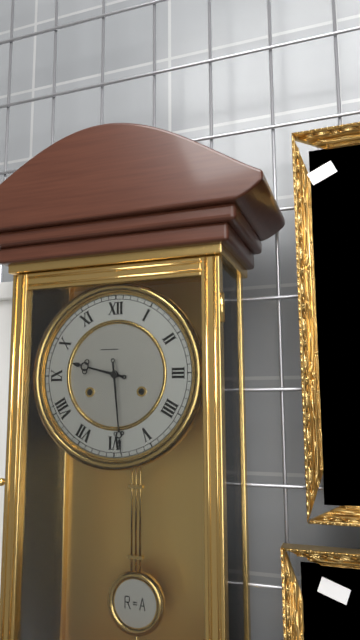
9:29
